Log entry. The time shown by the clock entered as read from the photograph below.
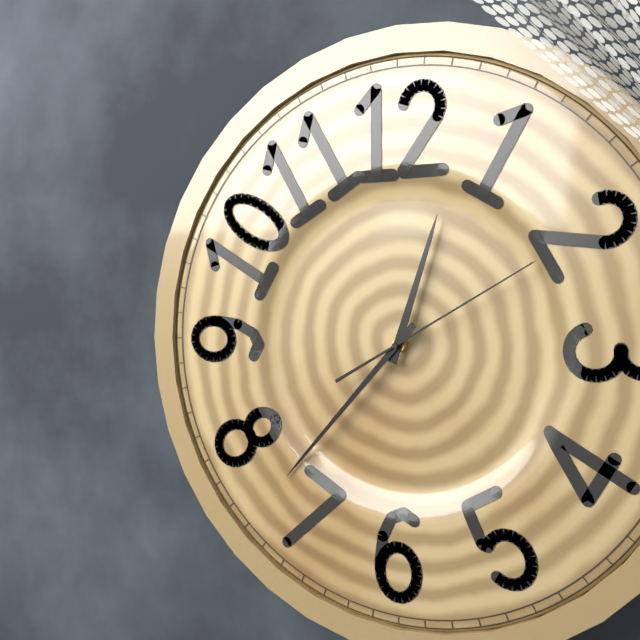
12:37:10
